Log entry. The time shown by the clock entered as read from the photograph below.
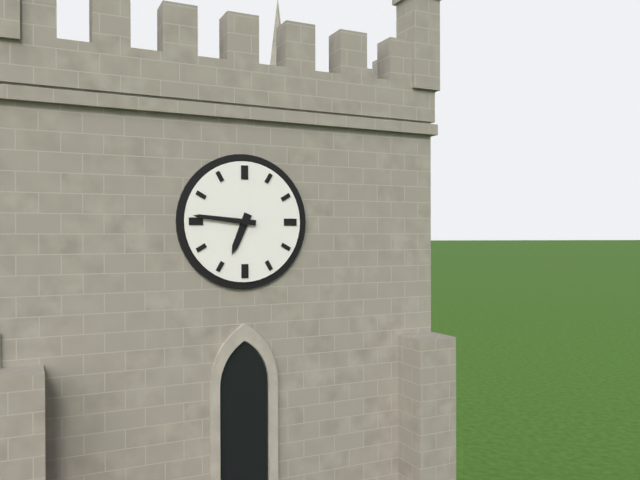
6:46
